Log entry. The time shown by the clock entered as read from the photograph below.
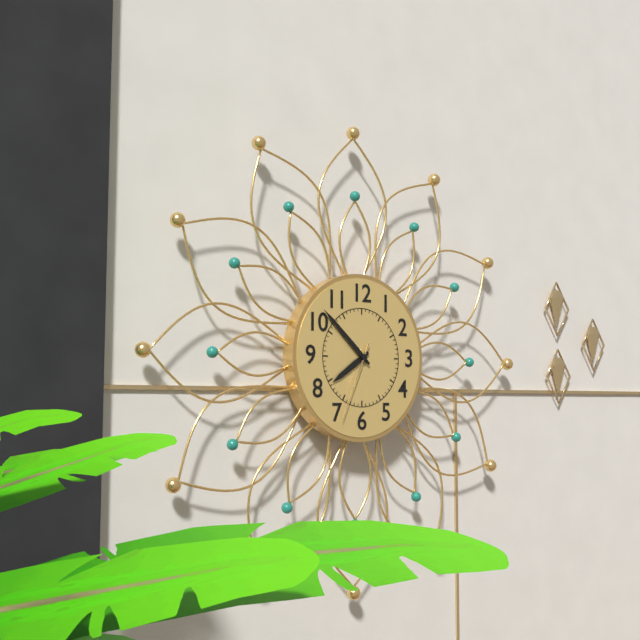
7:52:34
